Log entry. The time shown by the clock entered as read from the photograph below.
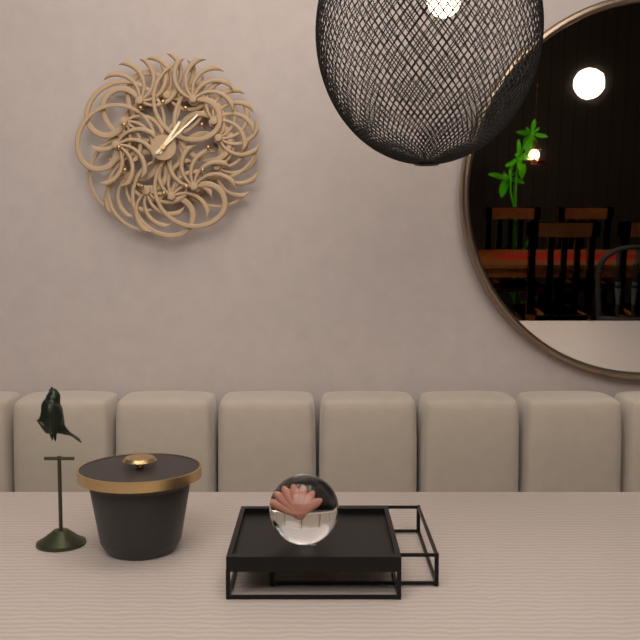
1:08
